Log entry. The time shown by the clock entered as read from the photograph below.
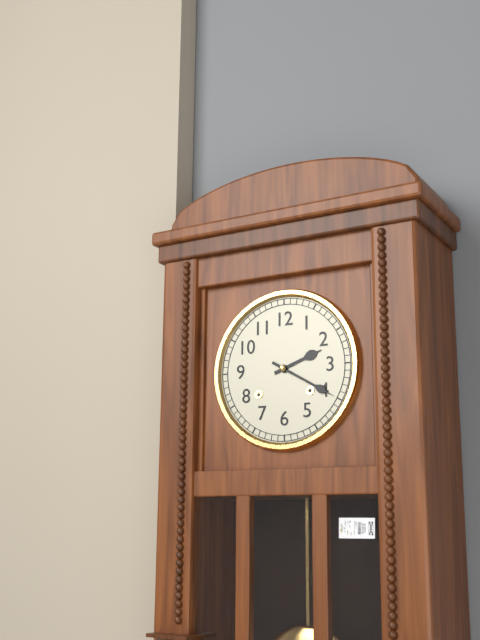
2:20
